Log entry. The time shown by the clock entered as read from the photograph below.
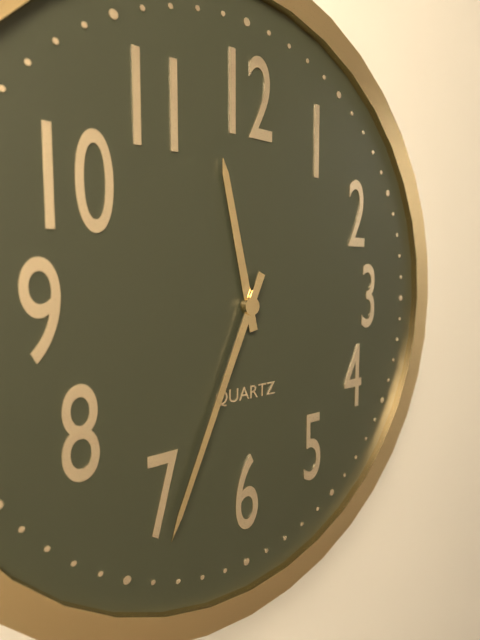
11:34
